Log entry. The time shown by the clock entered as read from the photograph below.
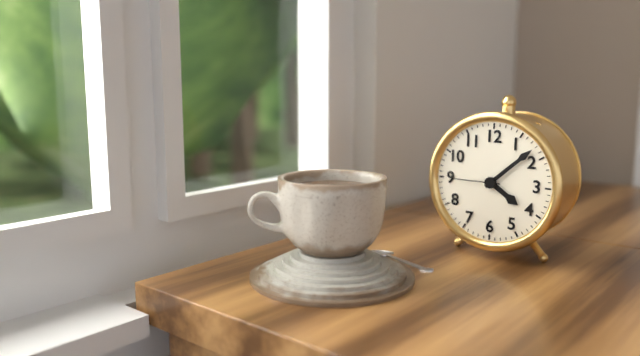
4:08
